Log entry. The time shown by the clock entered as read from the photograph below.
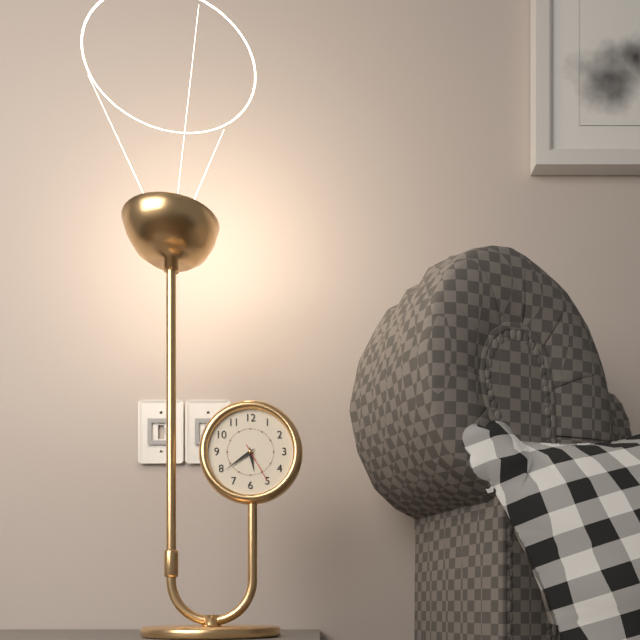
5:39
